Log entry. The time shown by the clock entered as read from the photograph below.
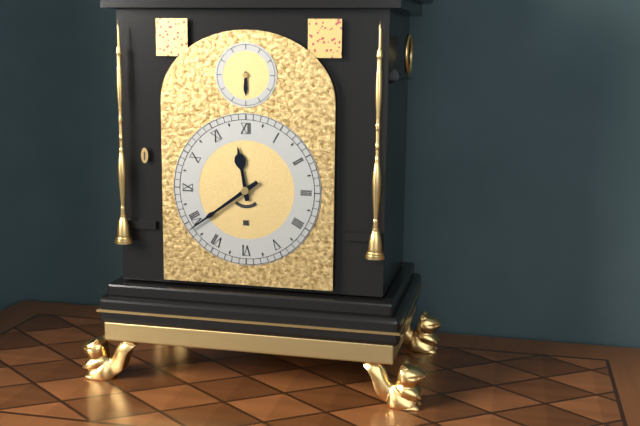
11:39
